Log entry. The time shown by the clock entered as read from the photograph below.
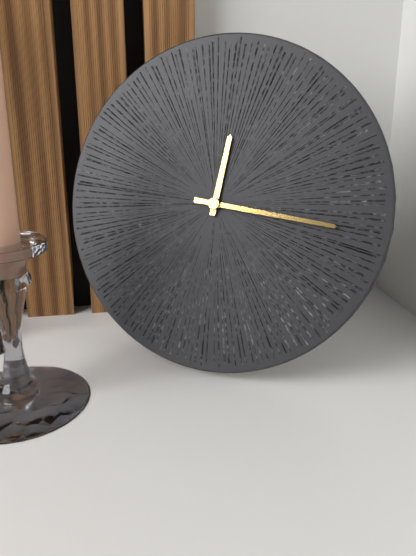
12:16
